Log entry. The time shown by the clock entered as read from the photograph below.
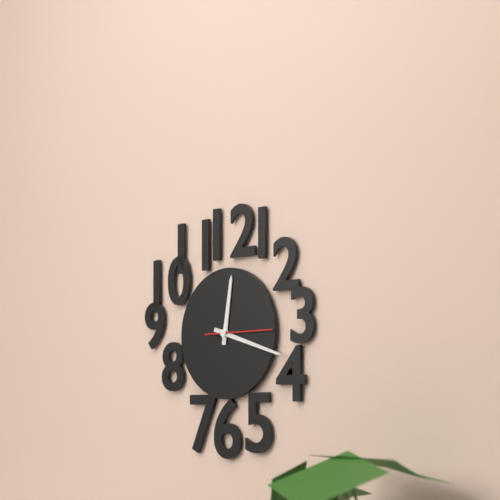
12:18:15
